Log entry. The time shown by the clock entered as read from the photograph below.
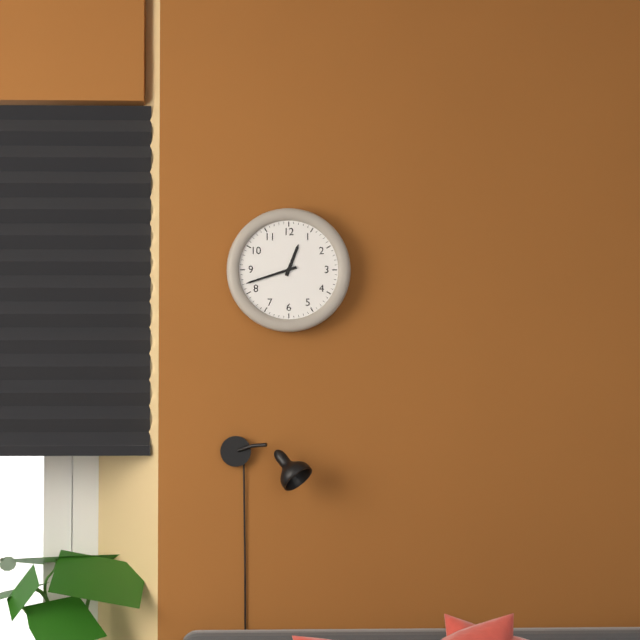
12:42
